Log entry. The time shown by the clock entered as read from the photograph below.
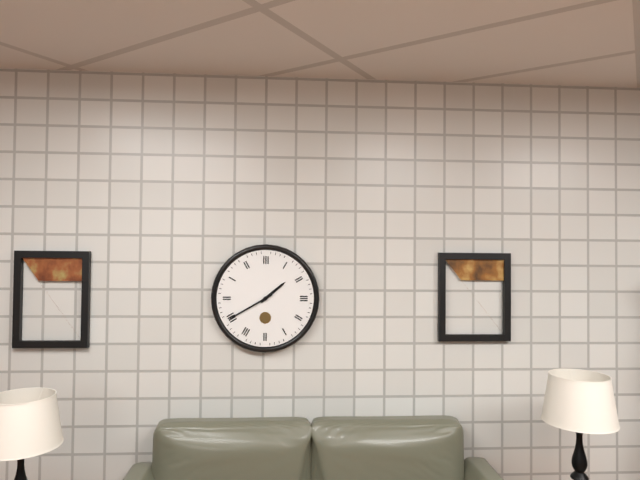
1:40
